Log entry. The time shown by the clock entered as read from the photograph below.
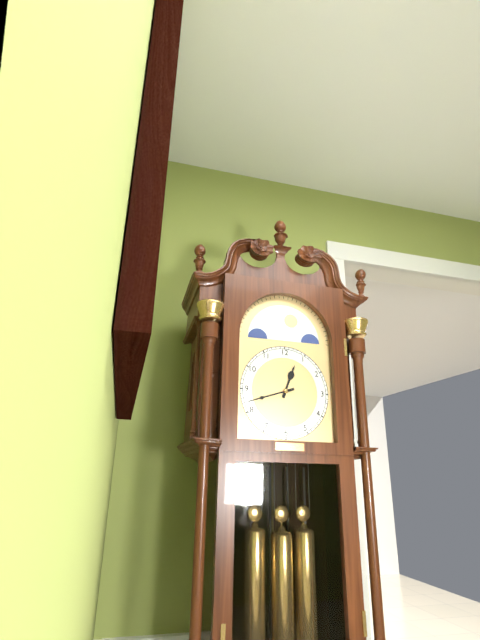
12:42
